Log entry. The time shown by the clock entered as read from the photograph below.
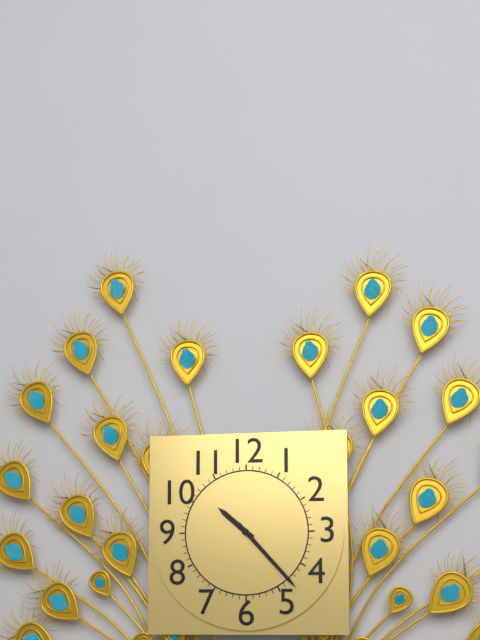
10:23:23
